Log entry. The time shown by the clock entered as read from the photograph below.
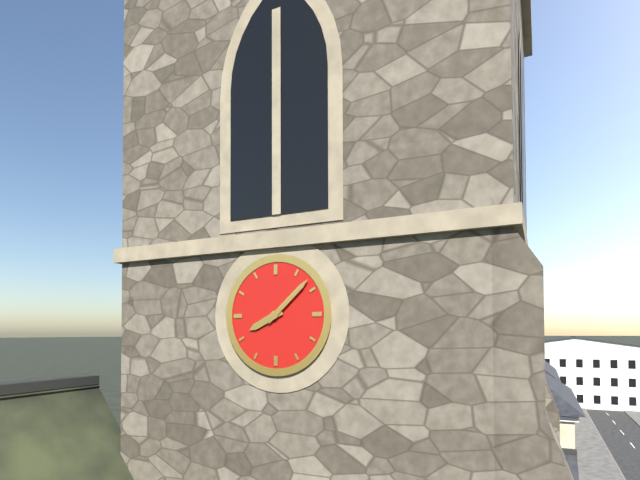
8:08
